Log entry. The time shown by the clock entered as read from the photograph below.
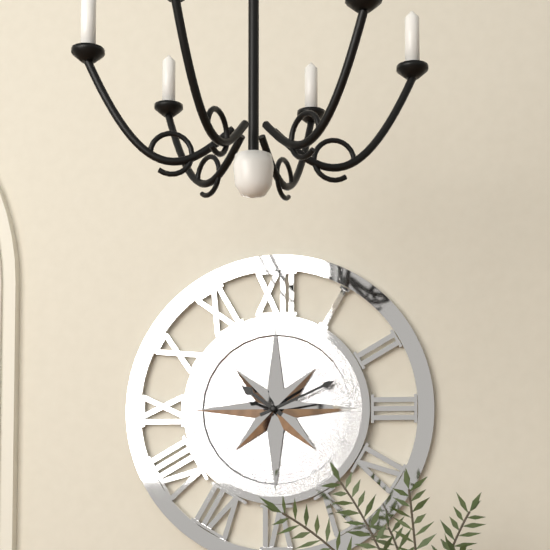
10:11
